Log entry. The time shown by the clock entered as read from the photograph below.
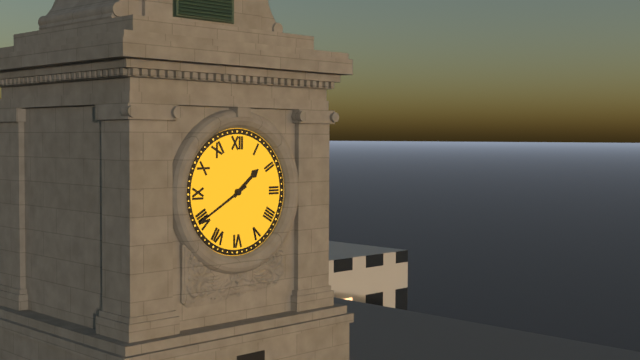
1:40
